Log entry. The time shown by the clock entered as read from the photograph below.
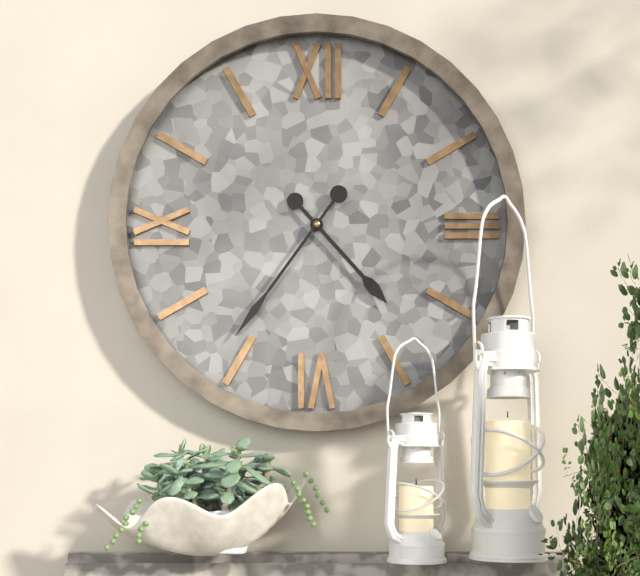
4:36
